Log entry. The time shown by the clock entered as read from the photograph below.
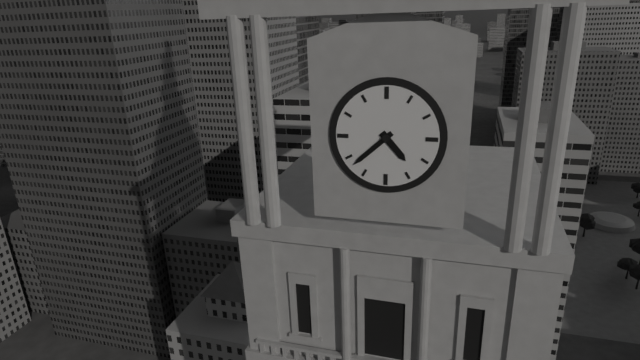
4:38
